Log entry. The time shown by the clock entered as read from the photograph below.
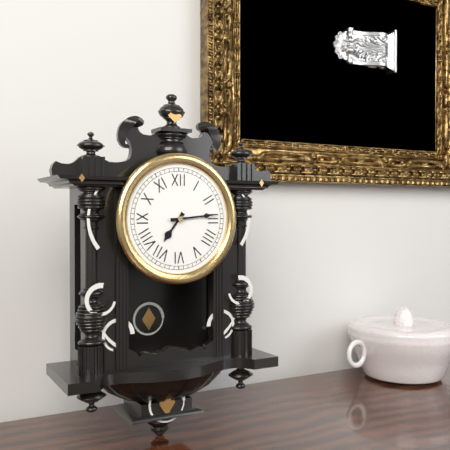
7:14
